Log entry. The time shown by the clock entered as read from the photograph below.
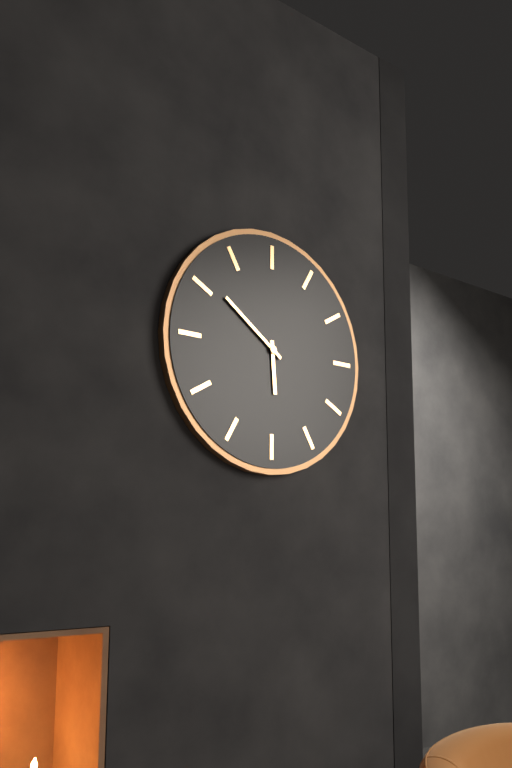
5:51
